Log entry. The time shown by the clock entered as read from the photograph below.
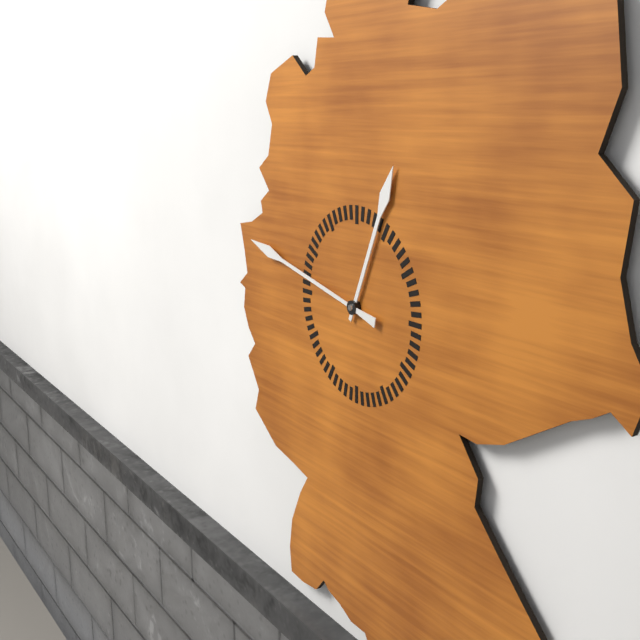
12:47
